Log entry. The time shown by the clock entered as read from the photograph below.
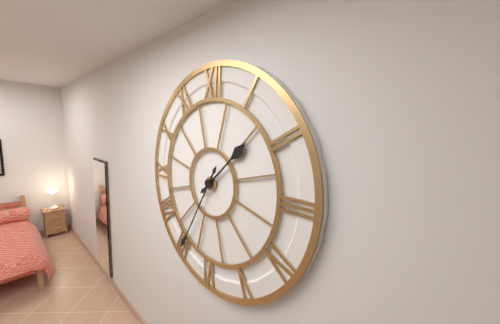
1:35
